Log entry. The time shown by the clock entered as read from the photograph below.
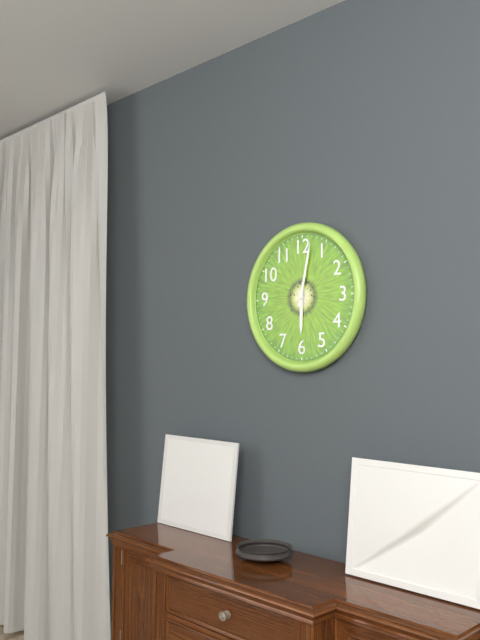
6:02
